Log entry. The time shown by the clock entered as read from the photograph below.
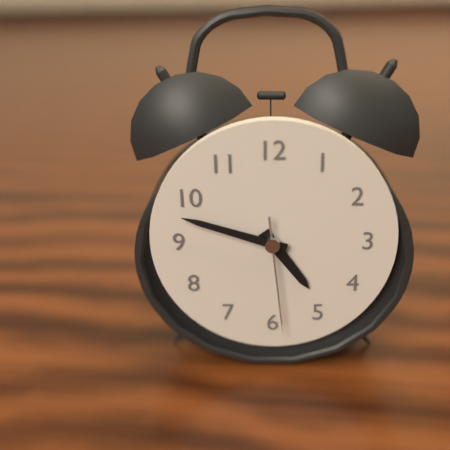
4:48:29
